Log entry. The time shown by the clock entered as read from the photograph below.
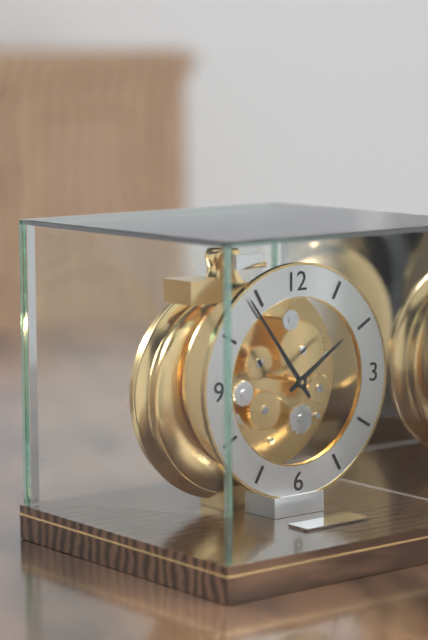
1:54
